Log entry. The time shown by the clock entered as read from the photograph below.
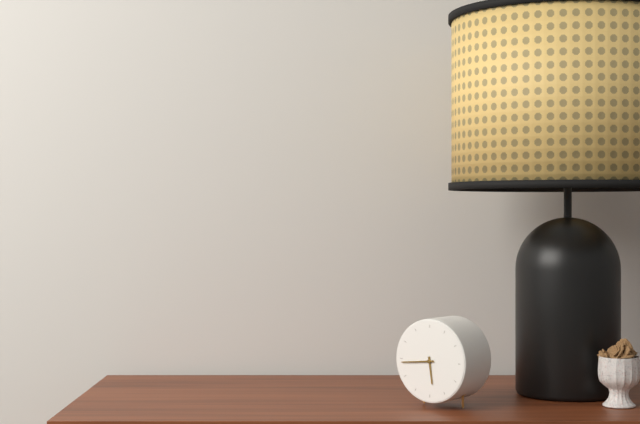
5:44
